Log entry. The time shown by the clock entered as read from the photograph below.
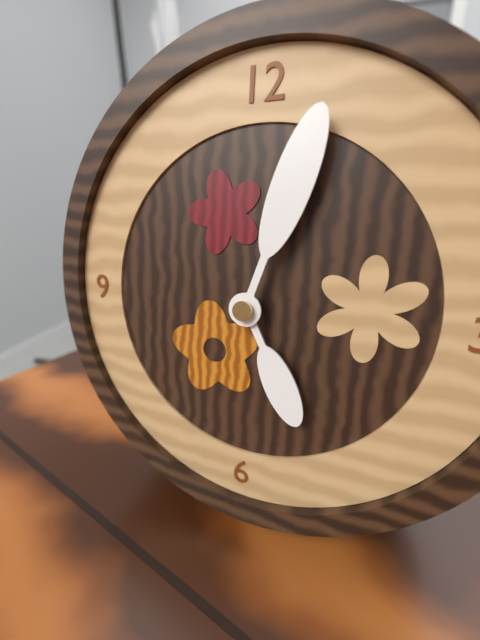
5:03
